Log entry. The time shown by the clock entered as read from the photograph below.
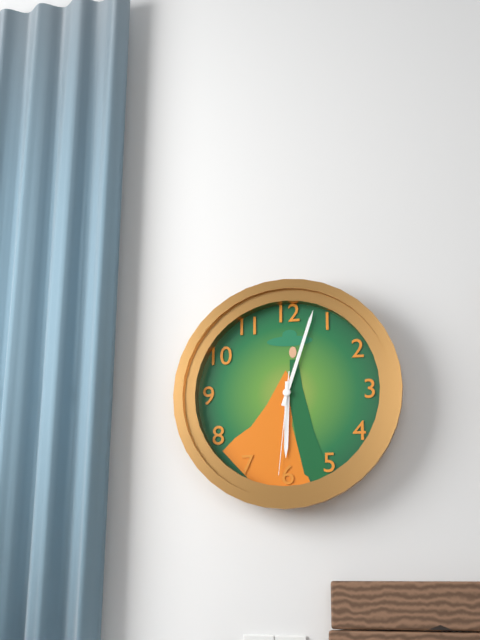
6:03:31
